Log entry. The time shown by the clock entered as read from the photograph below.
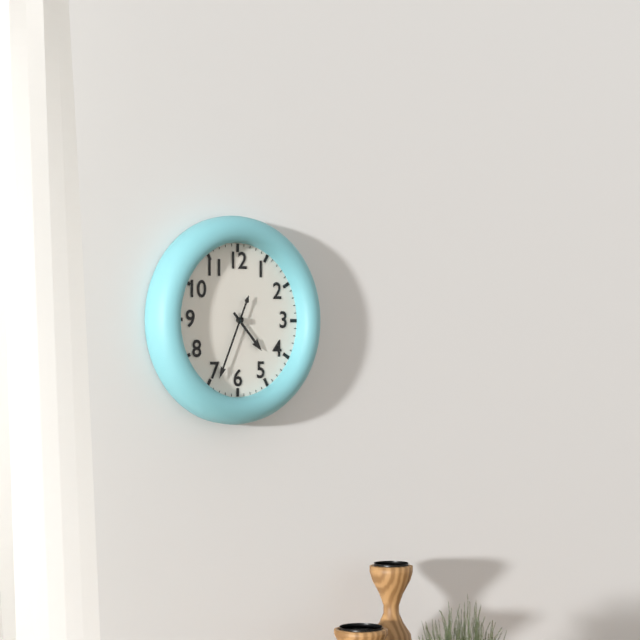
4:34
